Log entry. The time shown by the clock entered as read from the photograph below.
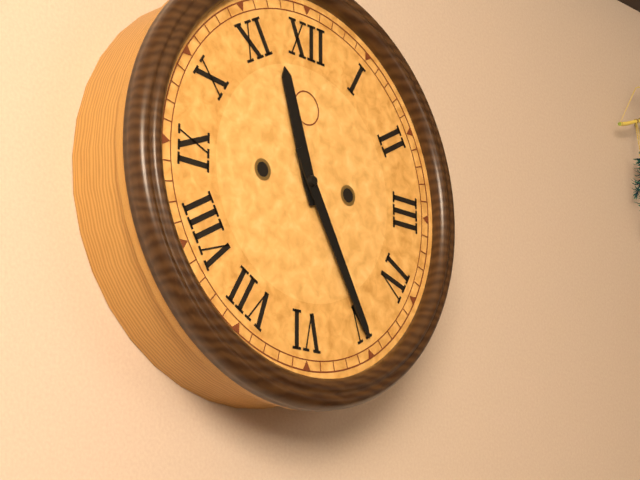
11:25
